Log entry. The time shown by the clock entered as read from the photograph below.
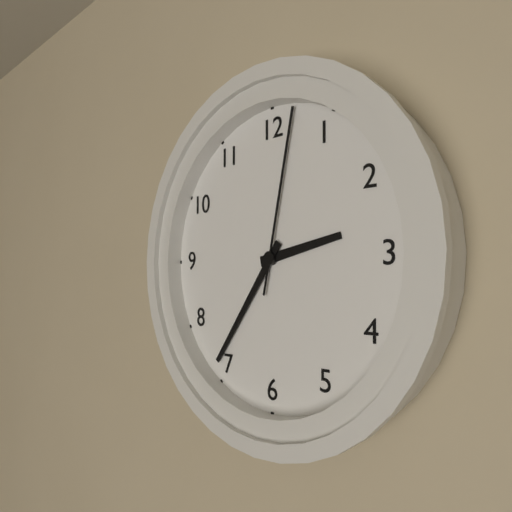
2:36:02
